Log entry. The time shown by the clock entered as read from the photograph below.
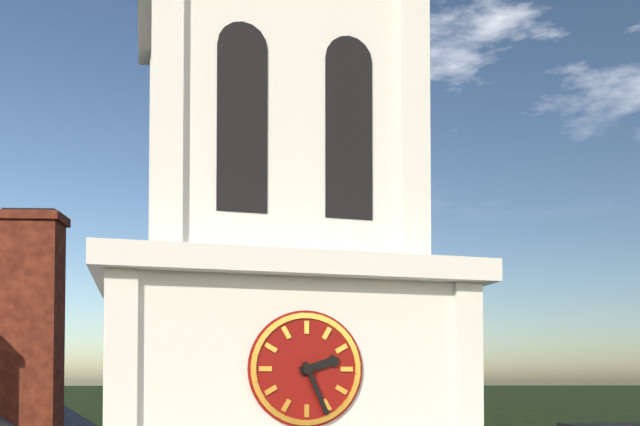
2:26
